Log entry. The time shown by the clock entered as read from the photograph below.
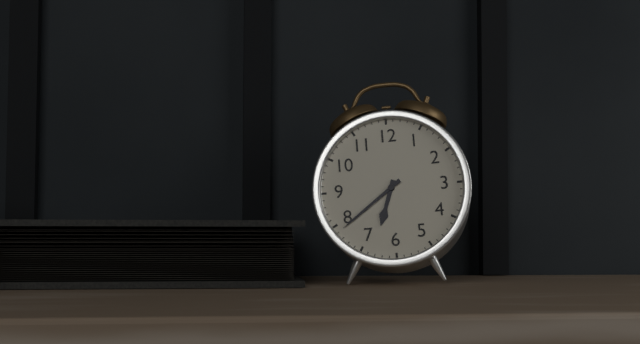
6:39
